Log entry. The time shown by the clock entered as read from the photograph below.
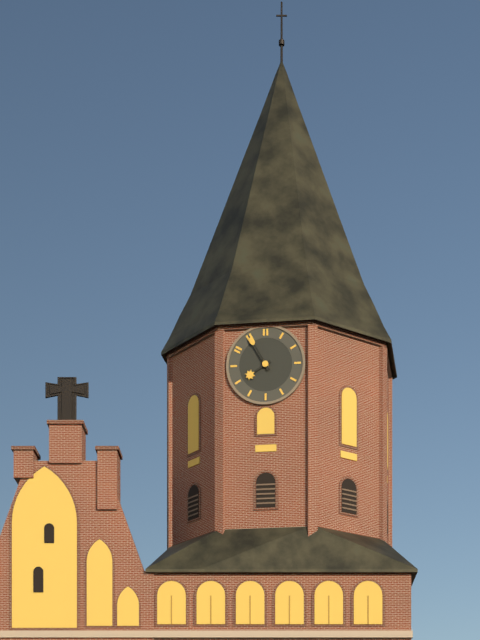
7:55
